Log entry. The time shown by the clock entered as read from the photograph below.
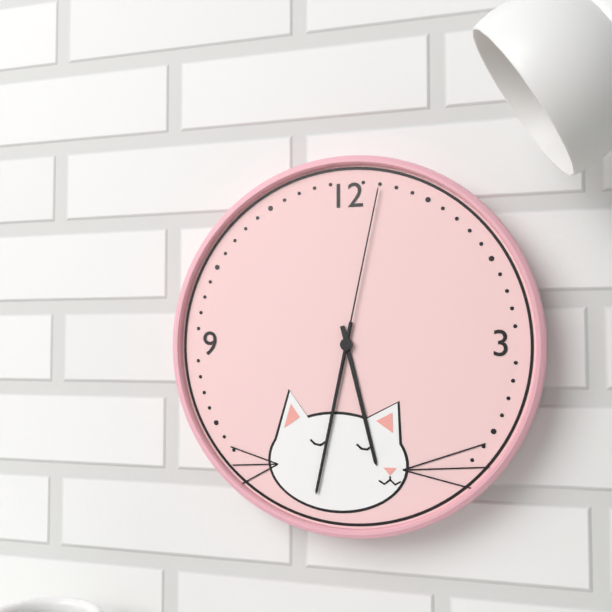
5:32:02
